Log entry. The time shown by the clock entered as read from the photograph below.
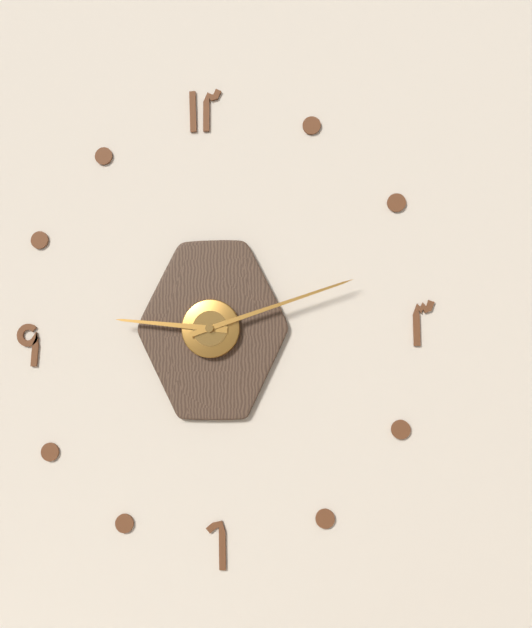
9:12
